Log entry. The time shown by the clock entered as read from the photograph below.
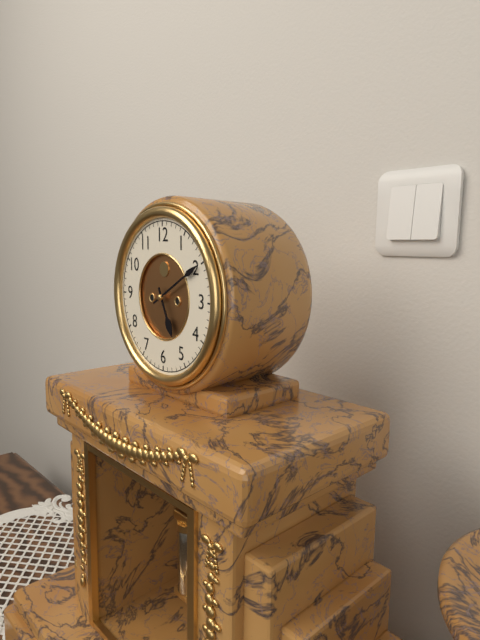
5:10
